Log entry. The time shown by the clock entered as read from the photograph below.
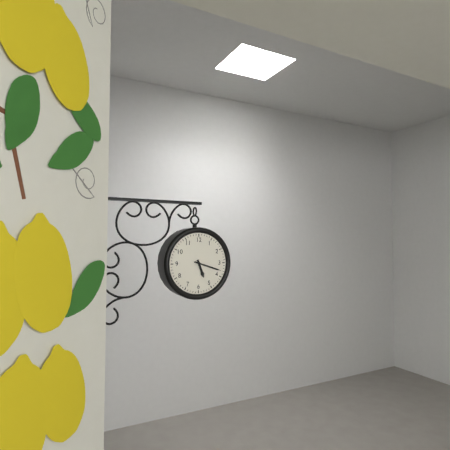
5:18
